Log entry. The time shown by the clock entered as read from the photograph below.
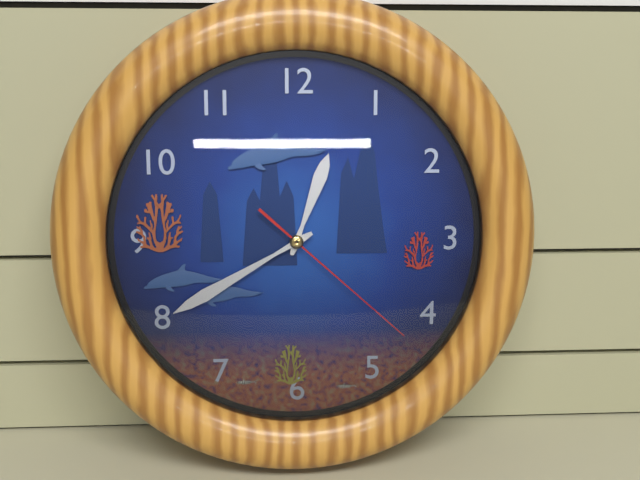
12:40:22
